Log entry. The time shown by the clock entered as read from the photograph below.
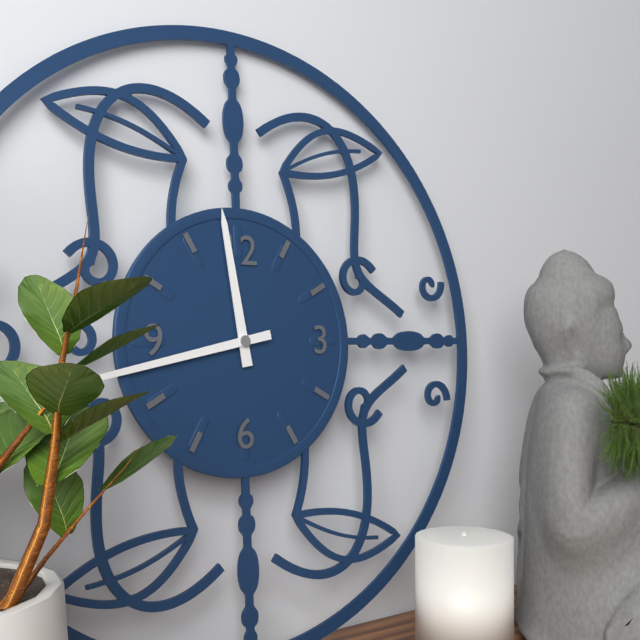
11:43
